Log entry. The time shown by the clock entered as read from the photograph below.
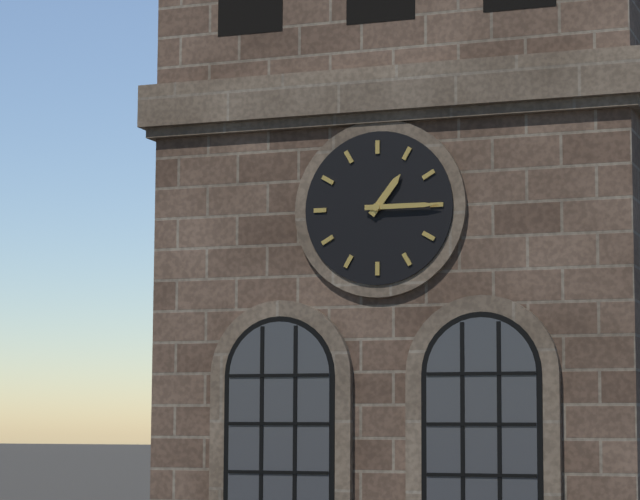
1:15
